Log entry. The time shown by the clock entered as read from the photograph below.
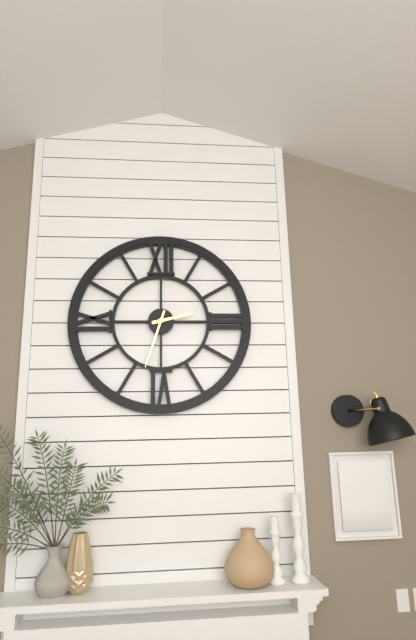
2:33
